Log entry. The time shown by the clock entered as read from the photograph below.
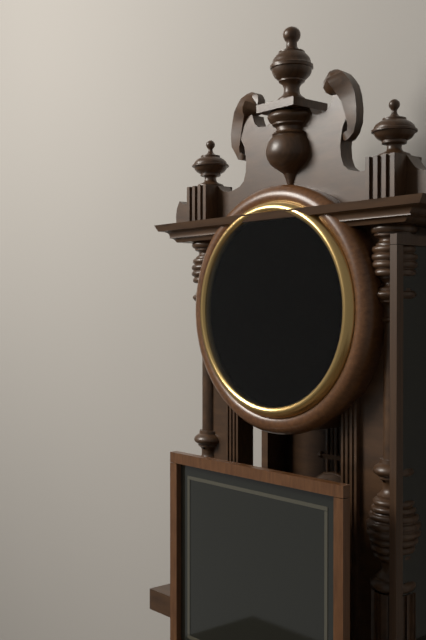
11:23
